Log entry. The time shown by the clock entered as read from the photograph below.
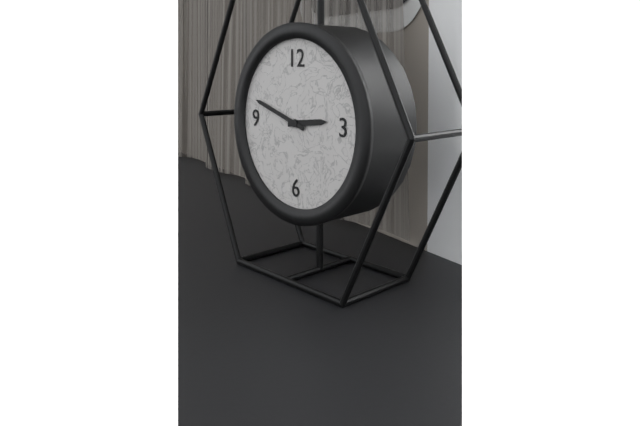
2:48
